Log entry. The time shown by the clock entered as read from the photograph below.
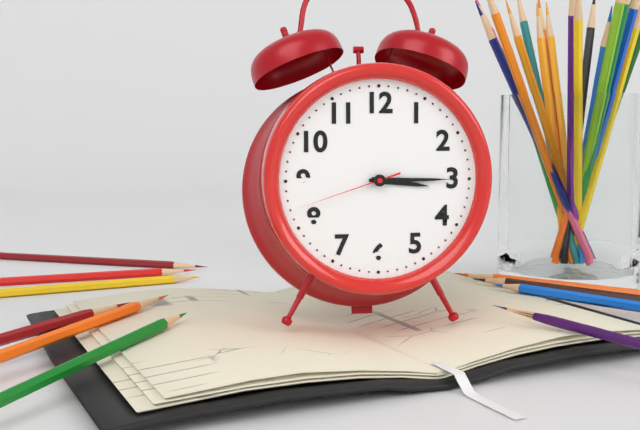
3:15:42
